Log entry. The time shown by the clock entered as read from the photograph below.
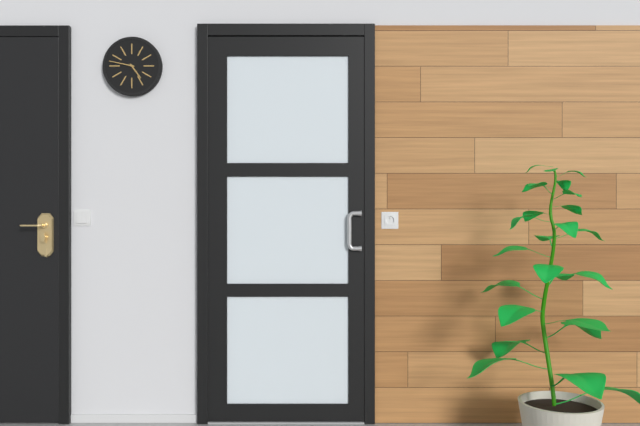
4:47
